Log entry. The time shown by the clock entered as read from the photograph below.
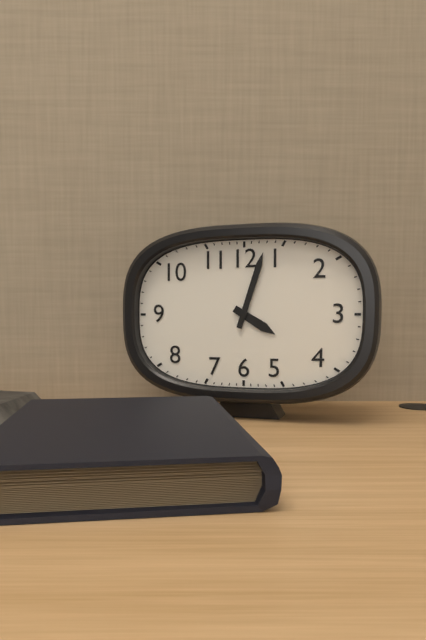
4:03
